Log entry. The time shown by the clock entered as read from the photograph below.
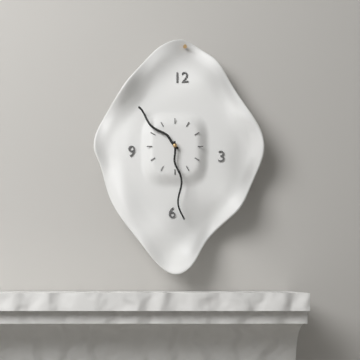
10:29
